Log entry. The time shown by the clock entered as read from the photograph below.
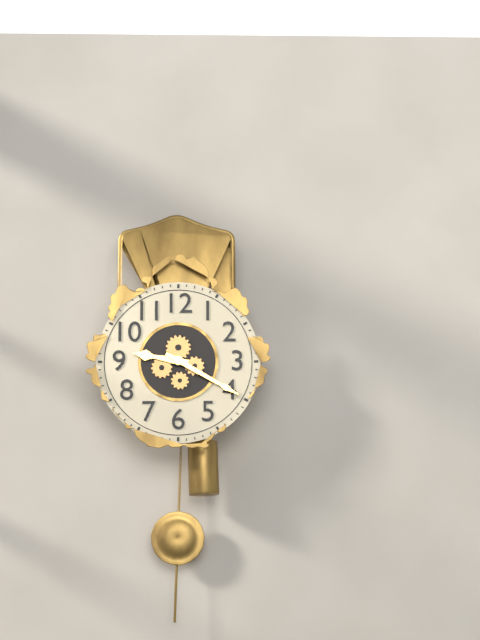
9:20
